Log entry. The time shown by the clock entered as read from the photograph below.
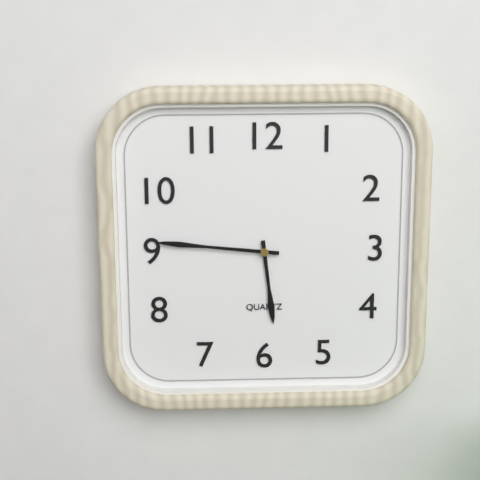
5:46
